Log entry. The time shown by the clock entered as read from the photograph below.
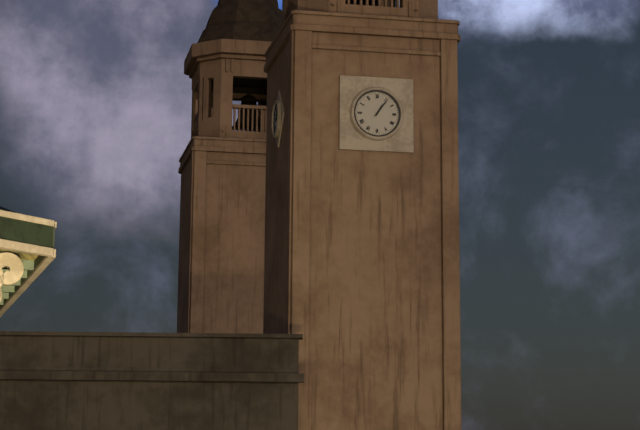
1:06
